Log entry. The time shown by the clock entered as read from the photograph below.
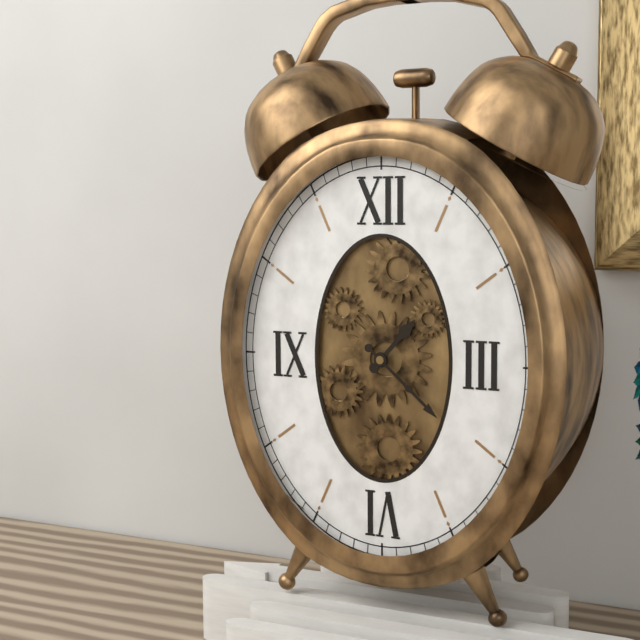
1:22
